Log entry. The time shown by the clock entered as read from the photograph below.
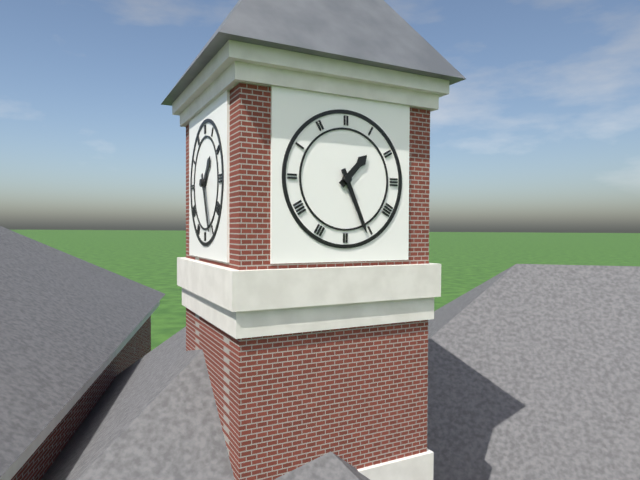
1:26
